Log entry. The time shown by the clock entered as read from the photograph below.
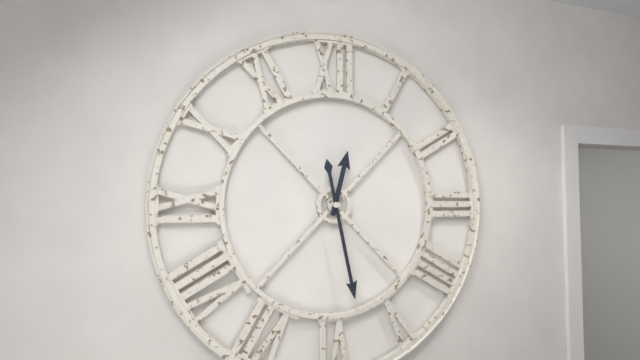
12:28
